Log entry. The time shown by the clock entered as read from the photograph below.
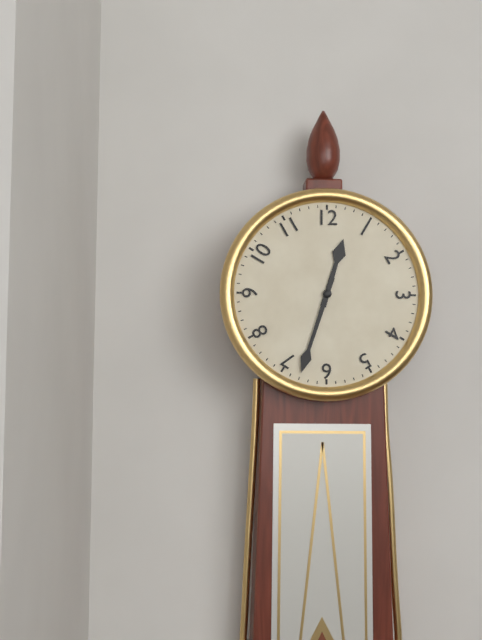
12:33
